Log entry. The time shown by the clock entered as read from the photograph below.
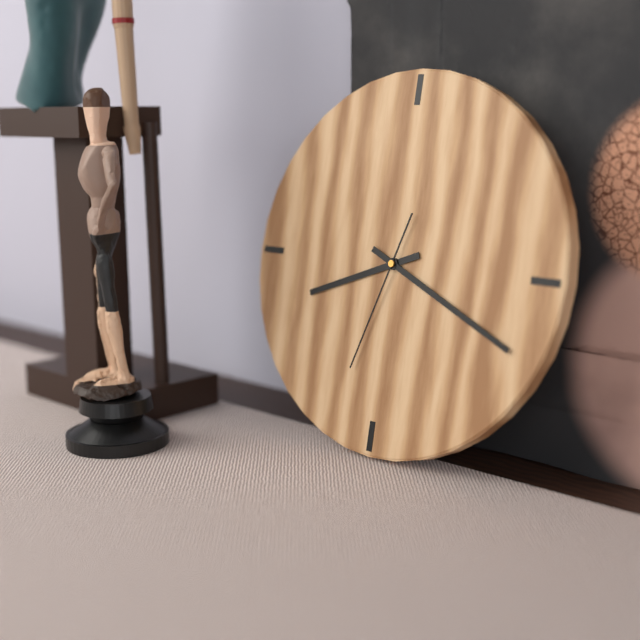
8:19:33
